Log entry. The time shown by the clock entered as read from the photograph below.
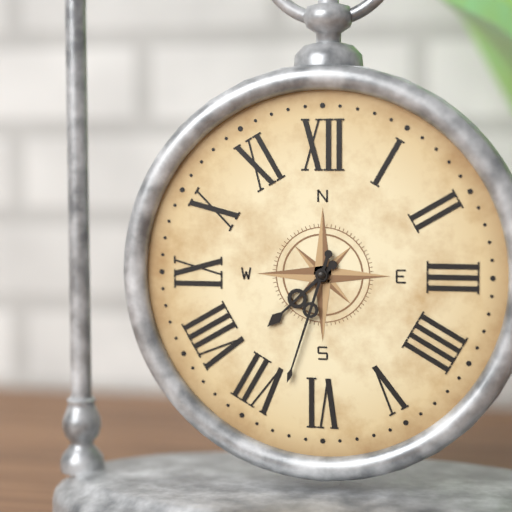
7:33
